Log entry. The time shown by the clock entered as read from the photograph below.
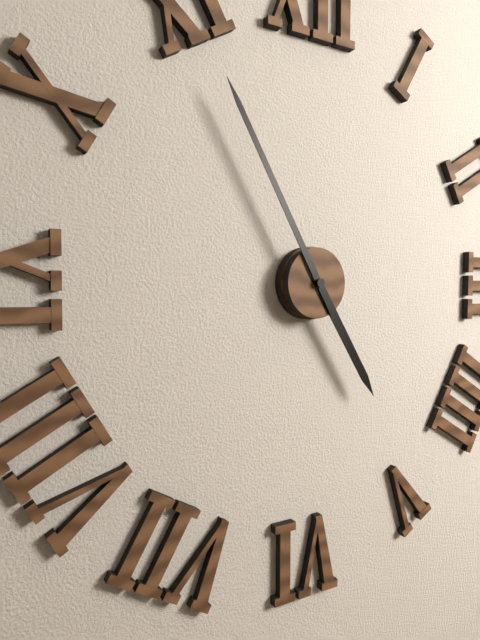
4:55
